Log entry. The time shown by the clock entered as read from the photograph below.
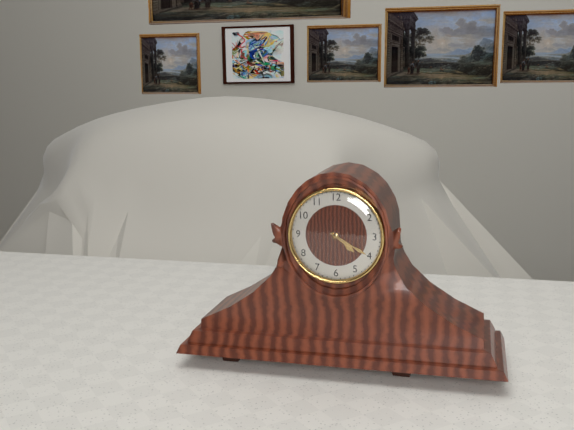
4:20
